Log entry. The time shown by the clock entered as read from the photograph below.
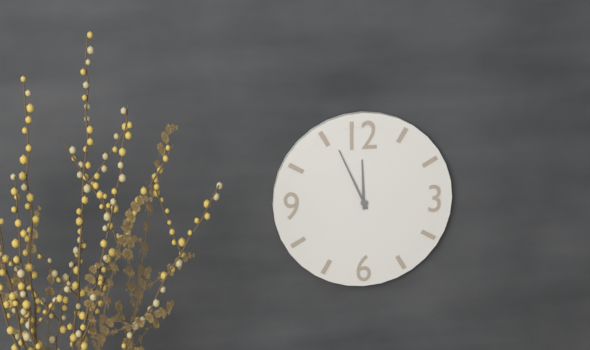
11:56
